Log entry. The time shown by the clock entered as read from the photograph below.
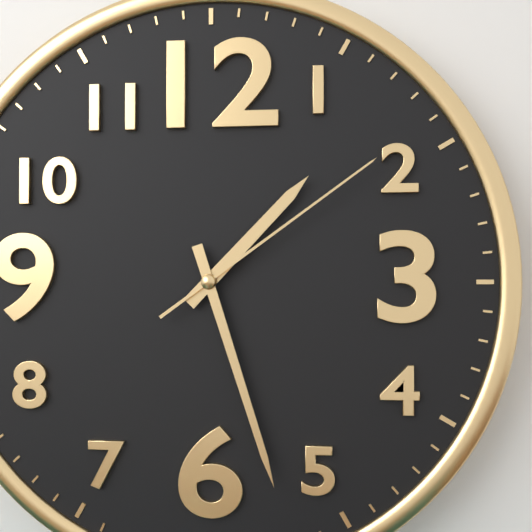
1:27:09
